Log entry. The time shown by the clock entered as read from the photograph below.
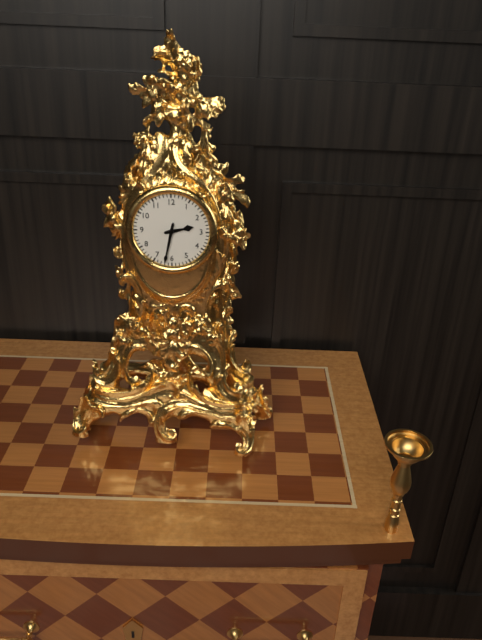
2:32
